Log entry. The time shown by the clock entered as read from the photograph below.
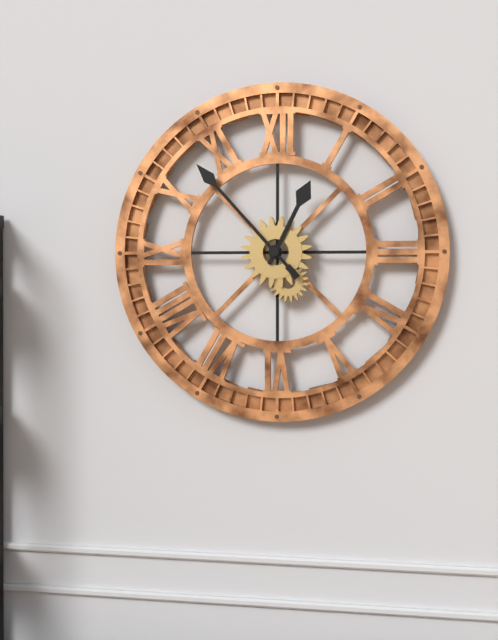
12:53
